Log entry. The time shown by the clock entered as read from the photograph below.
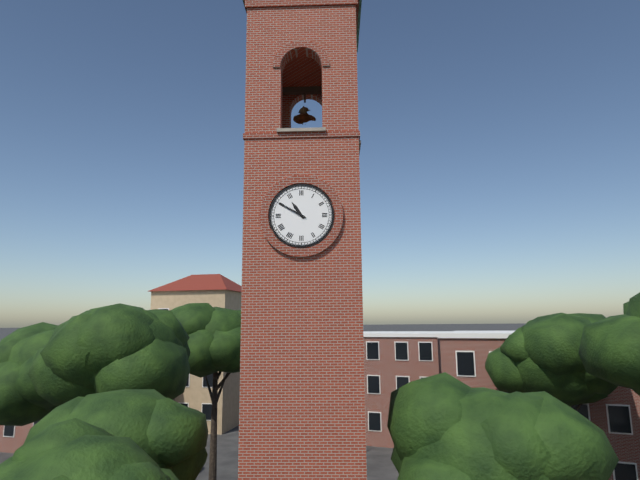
10:50
